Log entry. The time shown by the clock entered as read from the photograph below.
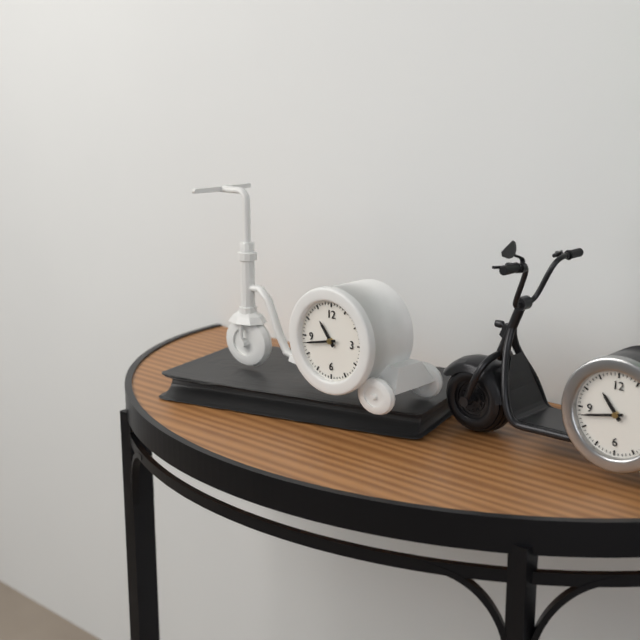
10:43
